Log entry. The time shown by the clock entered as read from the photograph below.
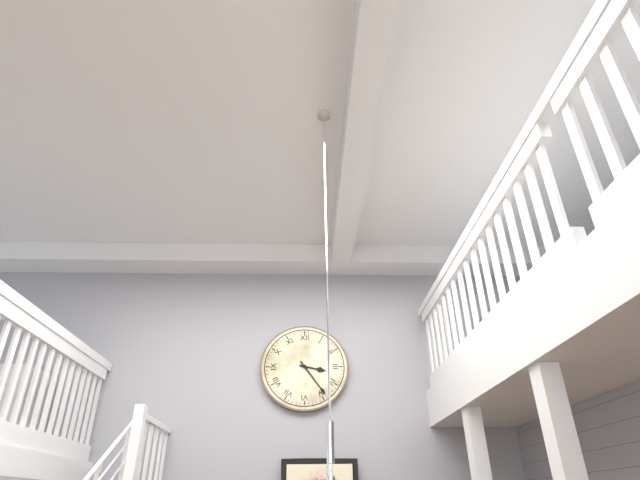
3:24
